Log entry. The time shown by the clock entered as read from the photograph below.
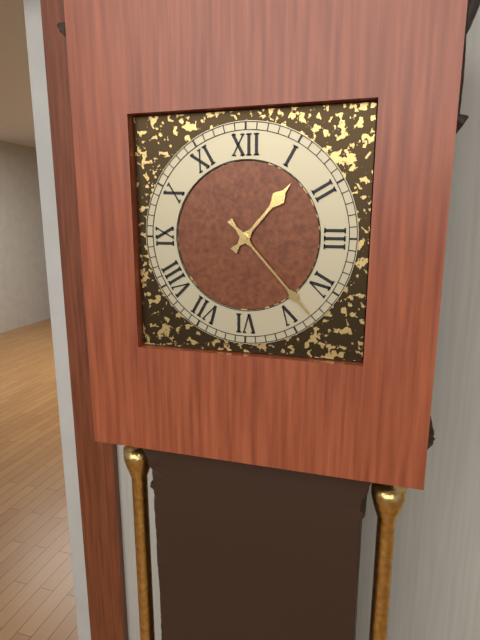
1:23
